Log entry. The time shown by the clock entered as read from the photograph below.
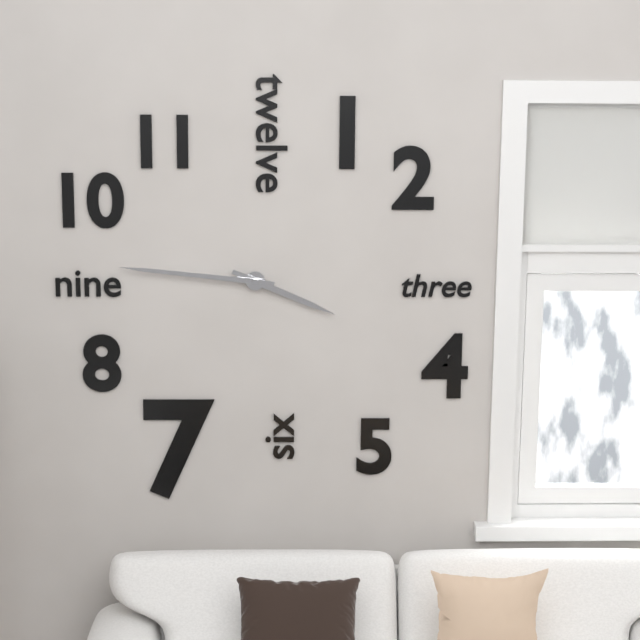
3:46
